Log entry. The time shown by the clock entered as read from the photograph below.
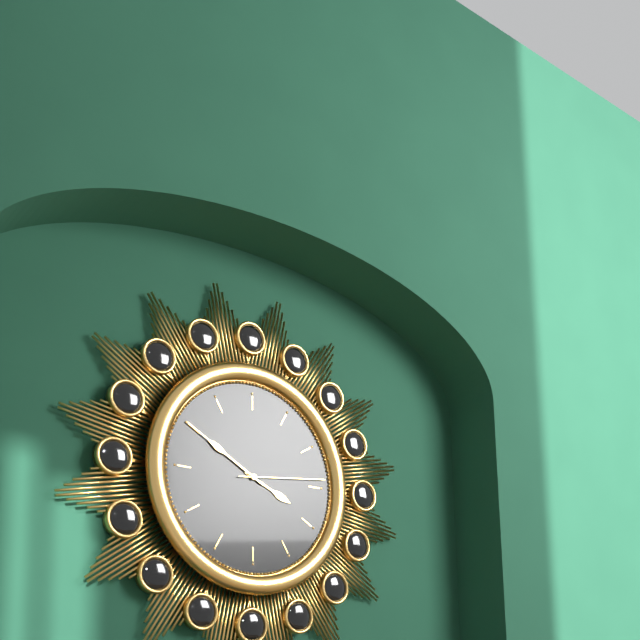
3:50:14
